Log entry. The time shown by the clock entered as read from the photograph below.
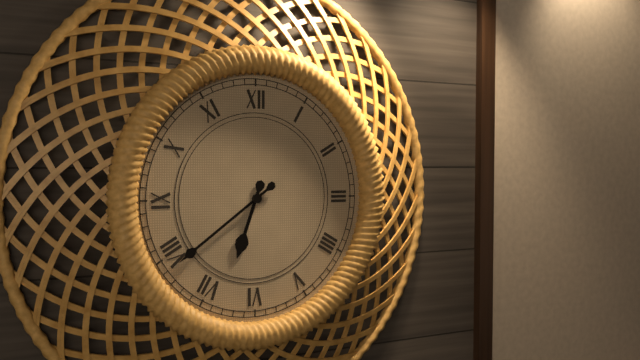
6:39
